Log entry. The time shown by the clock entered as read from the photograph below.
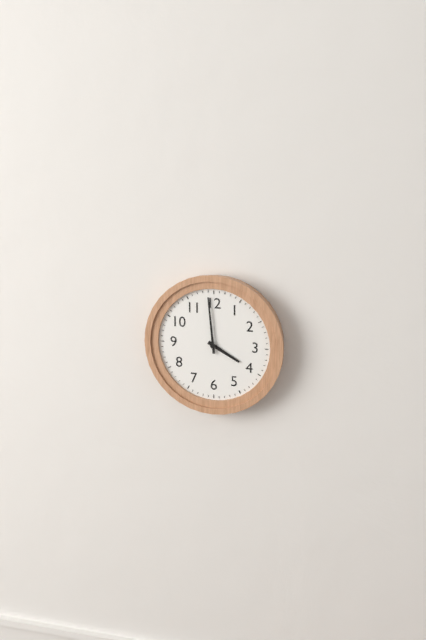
3:59
